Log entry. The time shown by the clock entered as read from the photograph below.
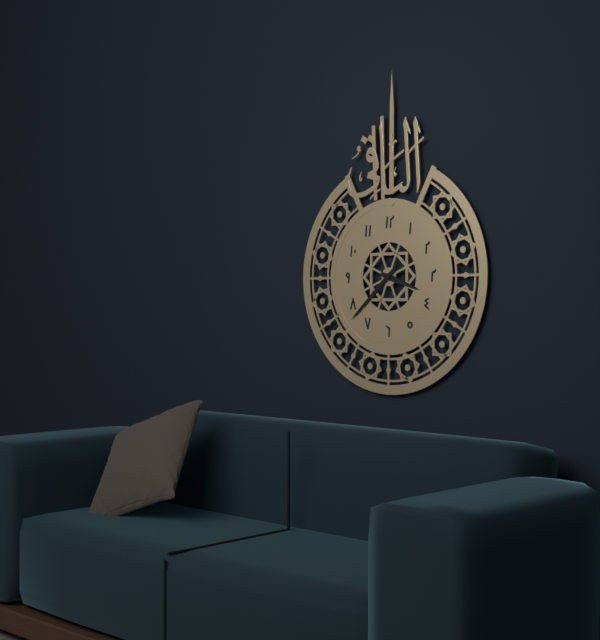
3:38
